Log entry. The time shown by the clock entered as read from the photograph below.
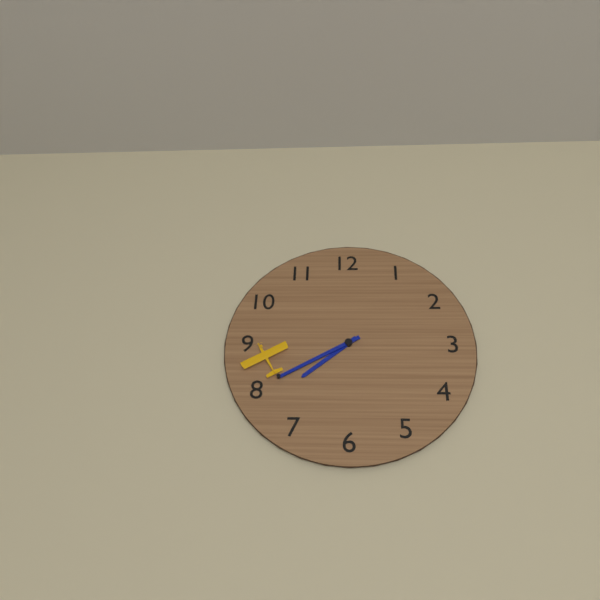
7:40
